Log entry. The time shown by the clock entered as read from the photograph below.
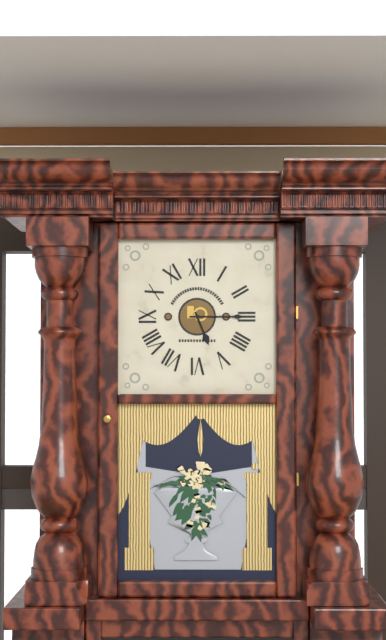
5:15
